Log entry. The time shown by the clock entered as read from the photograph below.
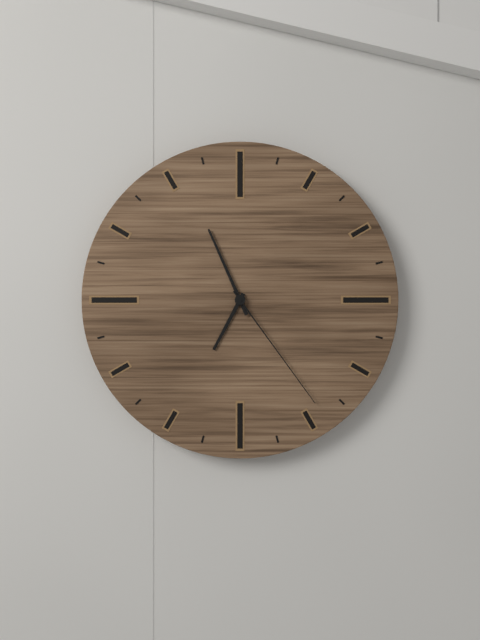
6:56:24
